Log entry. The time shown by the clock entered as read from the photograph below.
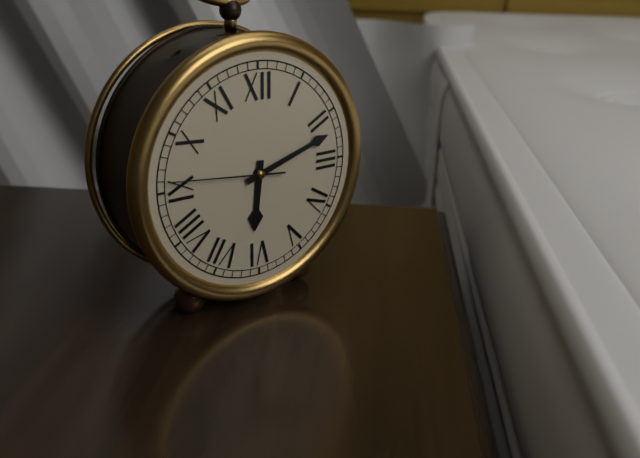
6:12:46
